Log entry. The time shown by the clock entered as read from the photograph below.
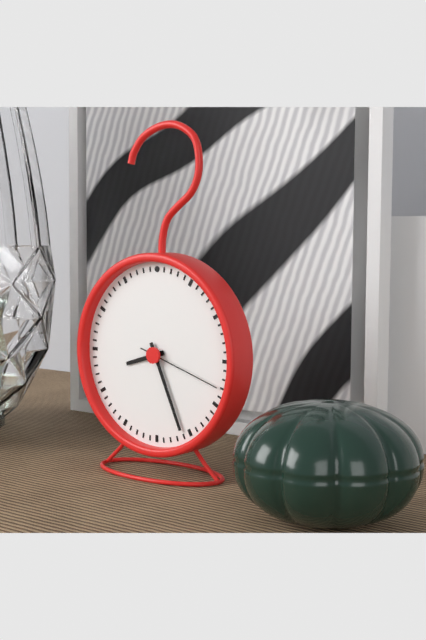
8:26:18
